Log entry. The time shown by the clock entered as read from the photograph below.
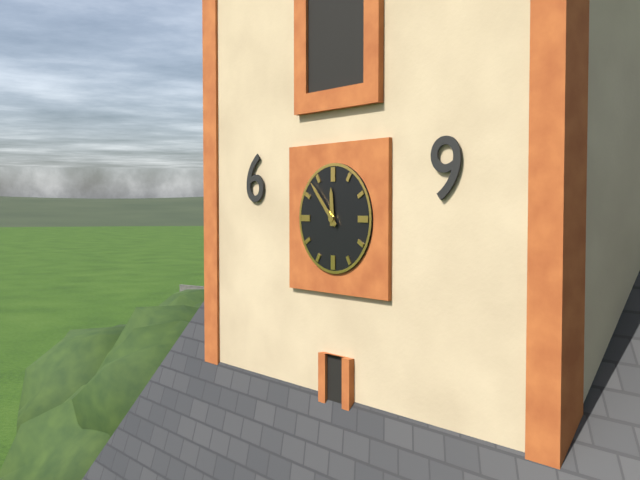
11:53
